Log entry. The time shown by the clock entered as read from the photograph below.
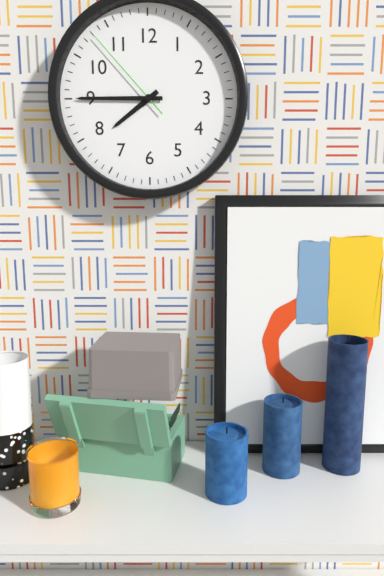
7:45:53
